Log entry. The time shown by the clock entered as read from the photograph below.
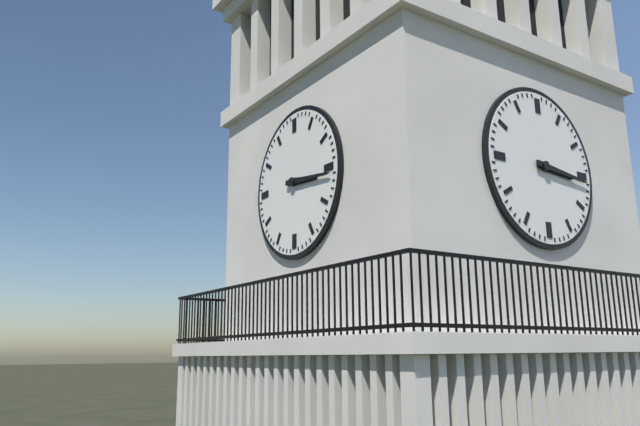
3:16
